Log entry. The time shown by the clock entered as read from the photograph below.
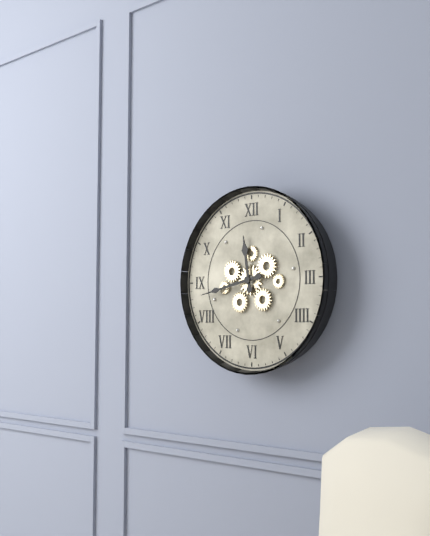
11:43
